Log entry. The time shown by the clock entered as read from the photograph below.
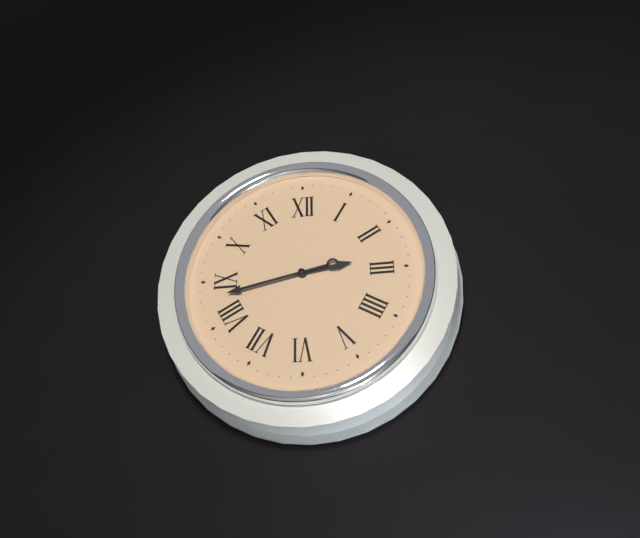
2:43
